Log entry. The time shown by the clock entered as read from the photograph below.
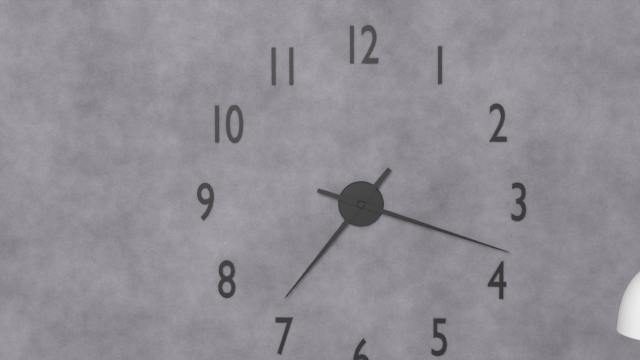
7:18
